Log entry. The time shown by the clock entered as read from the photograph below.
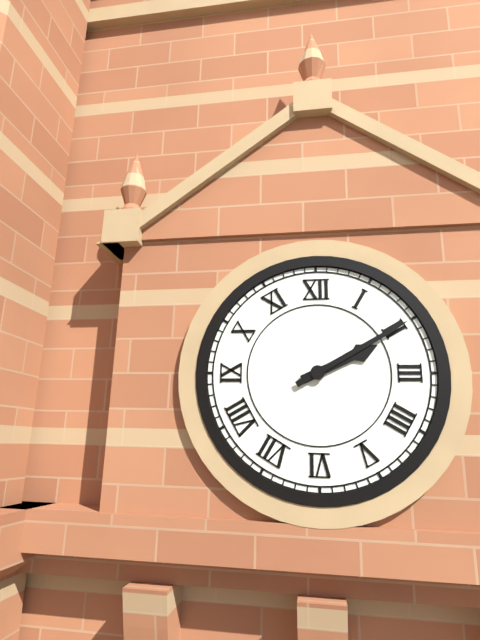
2:10
